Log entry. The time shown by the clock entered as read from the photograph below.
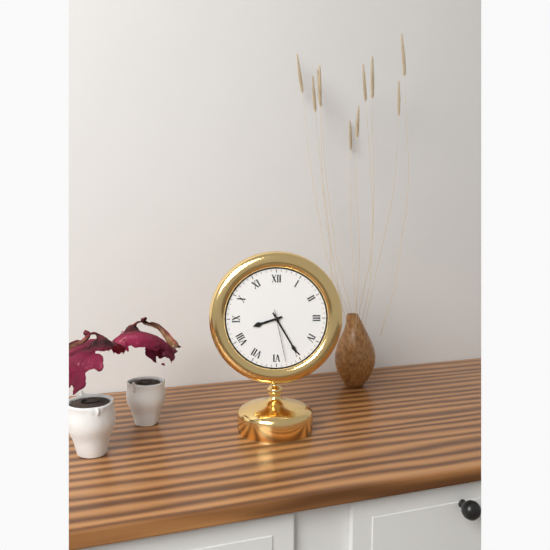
8:25:28
